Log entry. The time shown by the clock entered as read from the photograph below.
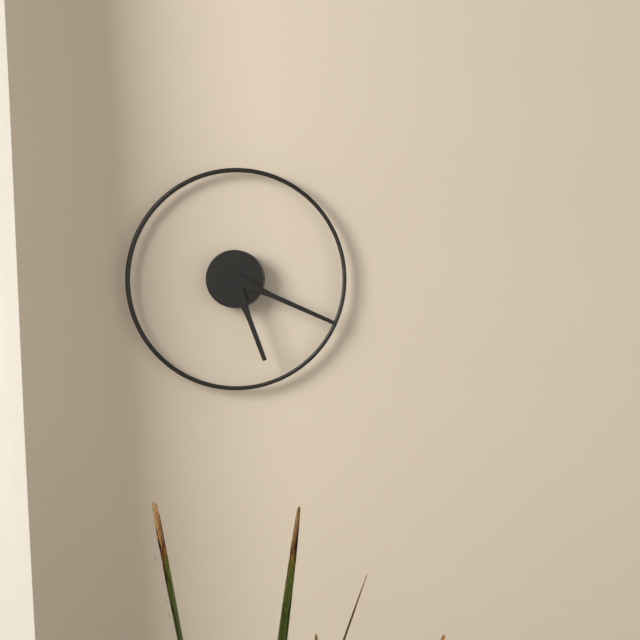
5:19
